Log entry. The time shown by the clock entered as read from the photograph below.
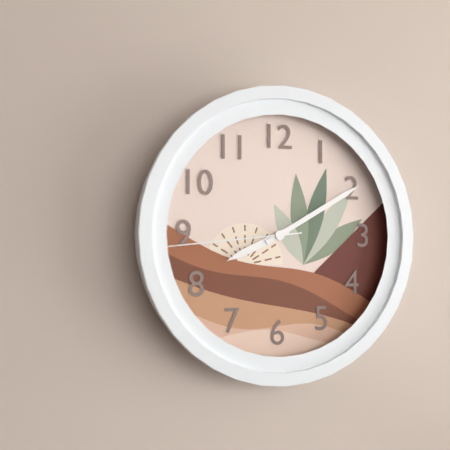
8:10:44
